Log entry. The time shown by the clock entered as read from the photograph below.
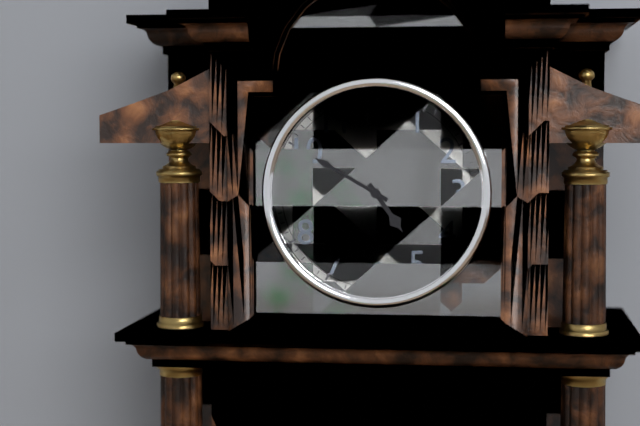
4:50
